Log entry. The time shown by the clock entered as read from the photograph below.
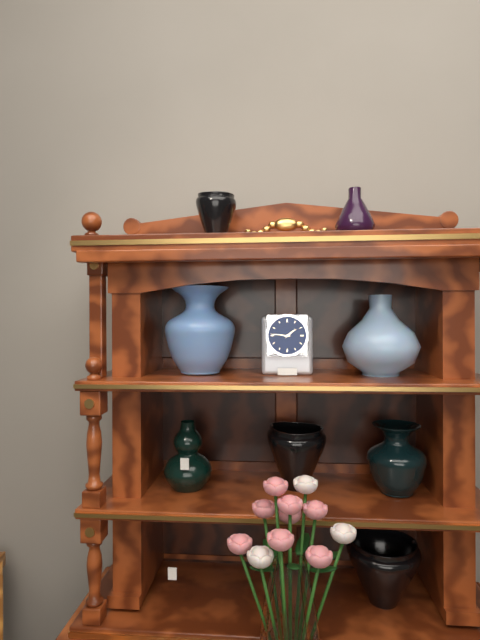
1:46
